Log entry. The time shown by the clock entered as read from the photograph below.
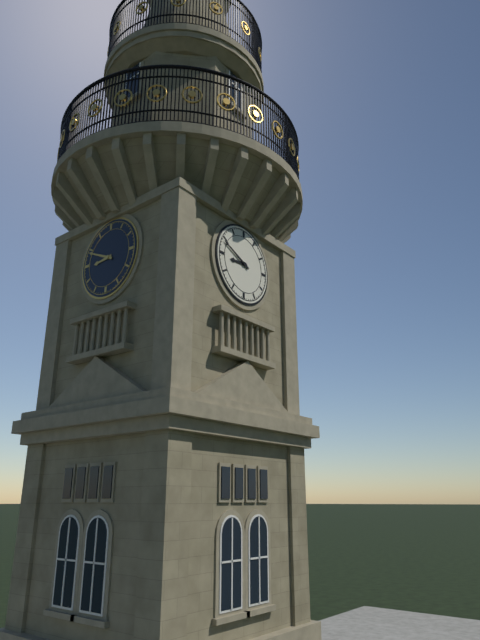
8:49
